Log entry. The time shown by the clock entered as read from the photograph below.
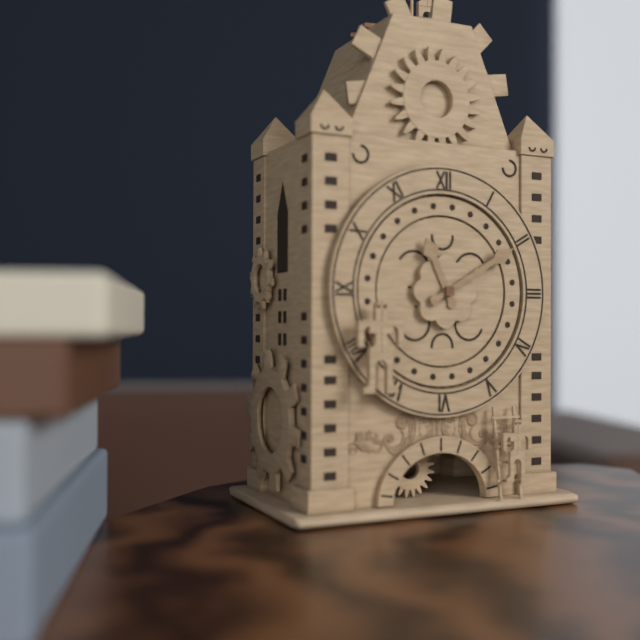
11:10
